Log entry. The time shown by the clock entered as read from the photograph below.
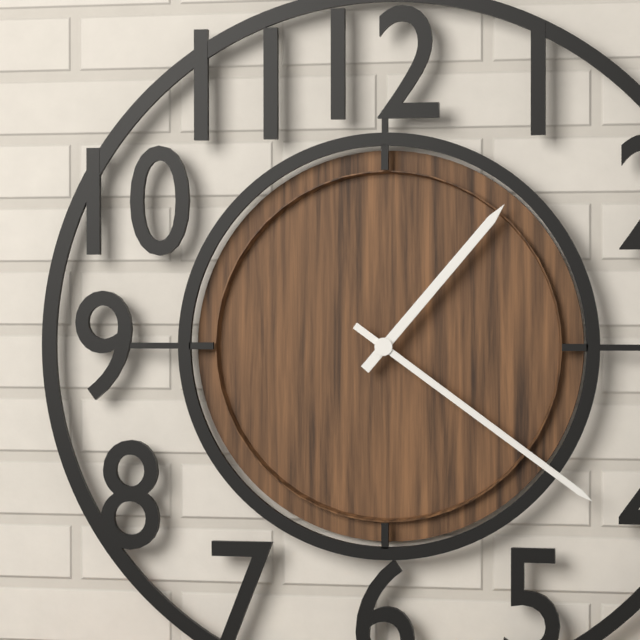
1:21
